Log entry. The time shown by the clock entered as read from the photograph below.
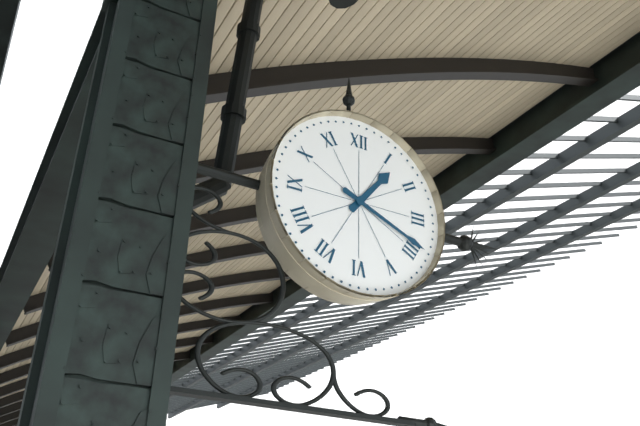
1:19
